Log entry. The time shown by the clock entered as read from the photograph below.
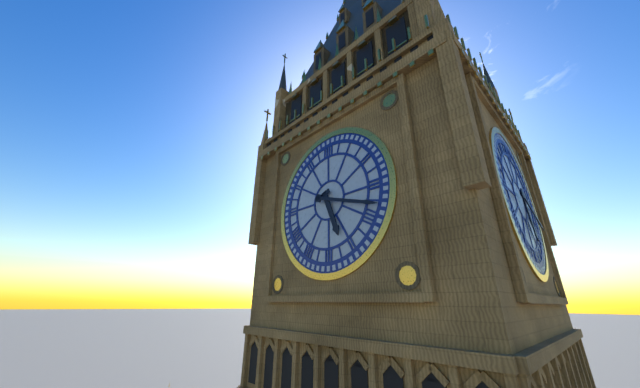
5:18
